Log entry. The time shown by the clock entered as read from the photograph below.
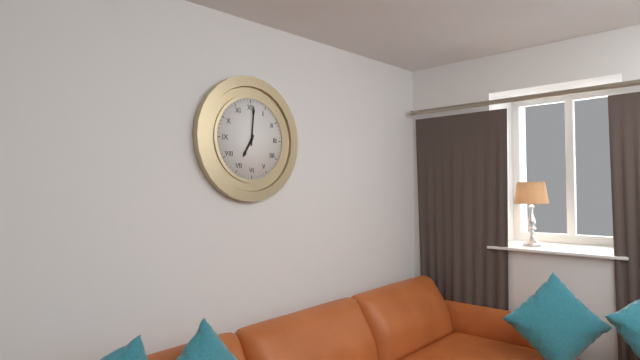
7:01
